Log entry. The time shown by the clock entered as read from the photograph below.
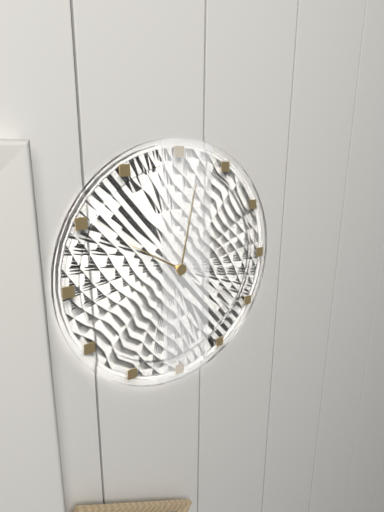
10:02
